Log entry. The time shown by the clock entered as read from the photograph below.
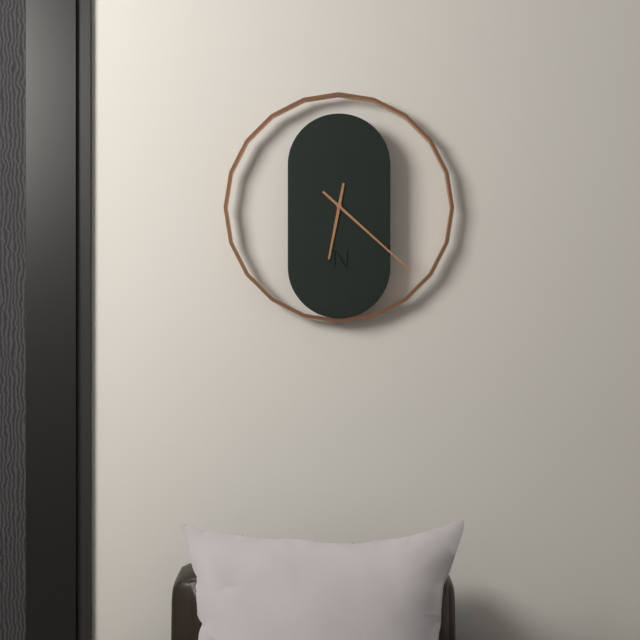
6:22
